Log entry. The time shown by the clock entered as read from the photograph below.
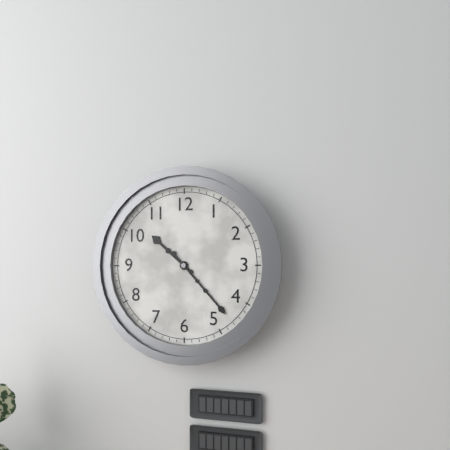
10:23
